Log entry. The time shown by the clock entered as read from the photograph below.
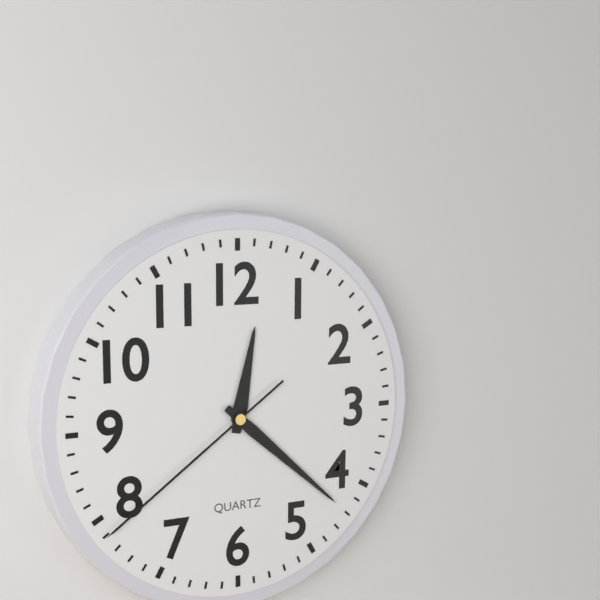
12:22:39
